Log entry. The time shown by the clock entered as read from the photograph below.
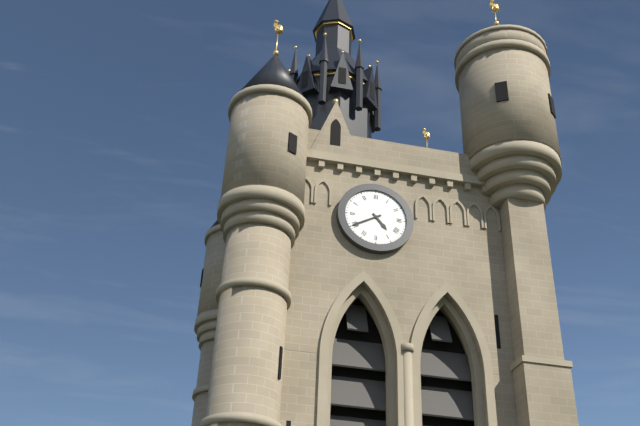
4:40
